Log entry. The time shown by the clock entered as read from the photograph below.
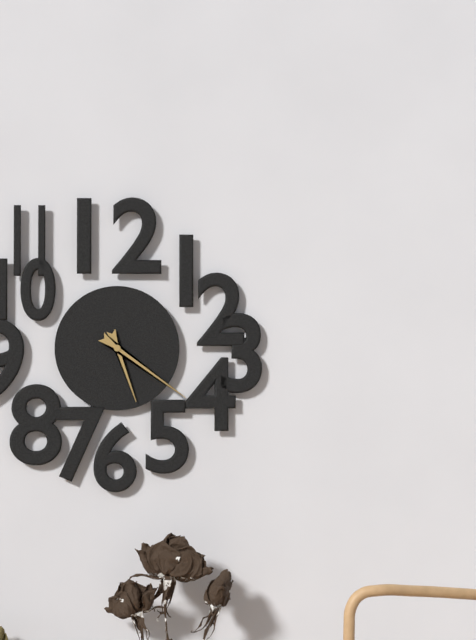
5:21
